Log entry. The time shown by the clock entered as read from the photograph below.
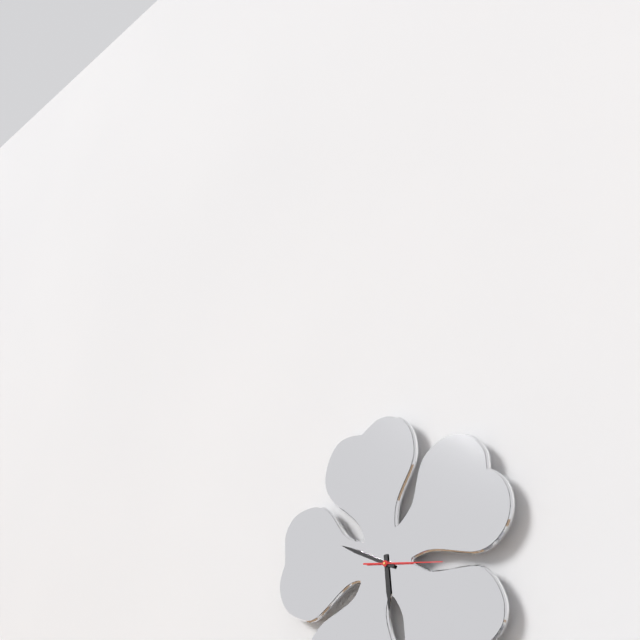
5:49:16
